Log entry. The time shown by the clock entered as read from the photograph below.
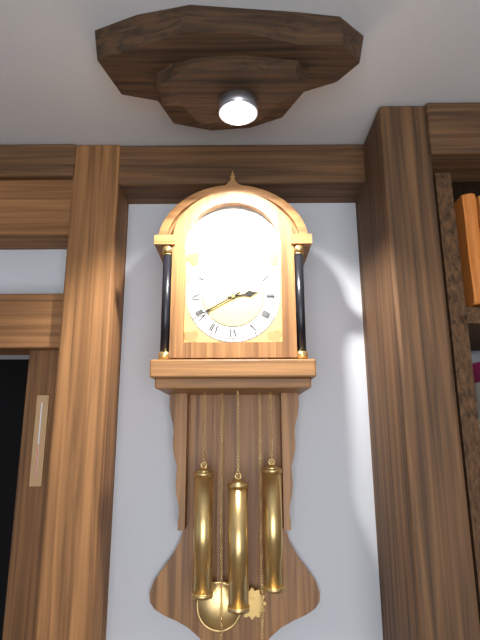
2:40
